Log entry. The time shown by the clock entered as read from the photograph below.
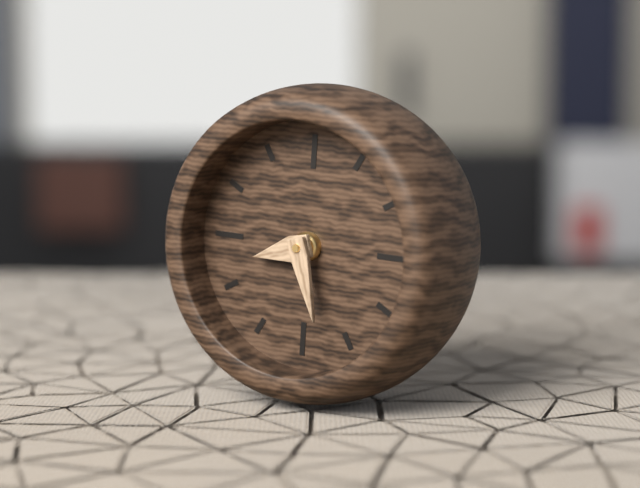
8:27
